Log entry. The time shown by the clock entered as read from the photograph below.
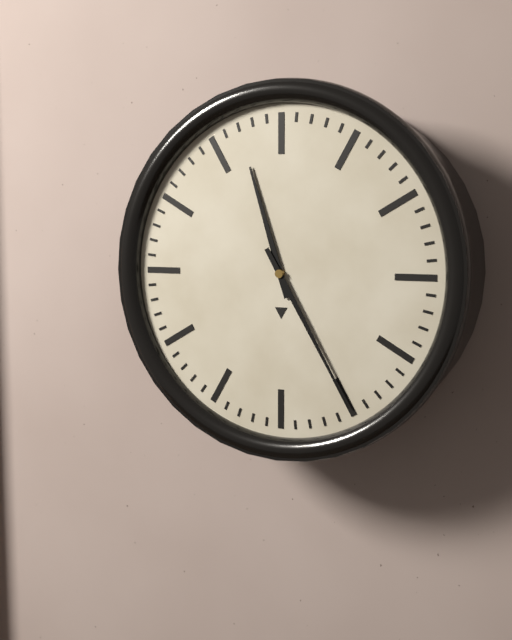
11:25
